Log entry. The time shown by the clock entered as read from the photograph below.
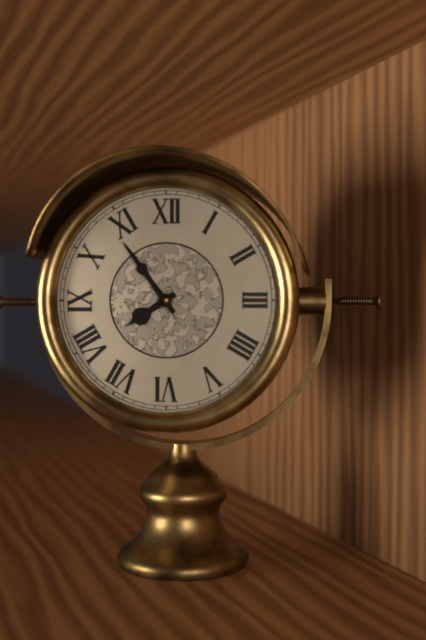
7:54
